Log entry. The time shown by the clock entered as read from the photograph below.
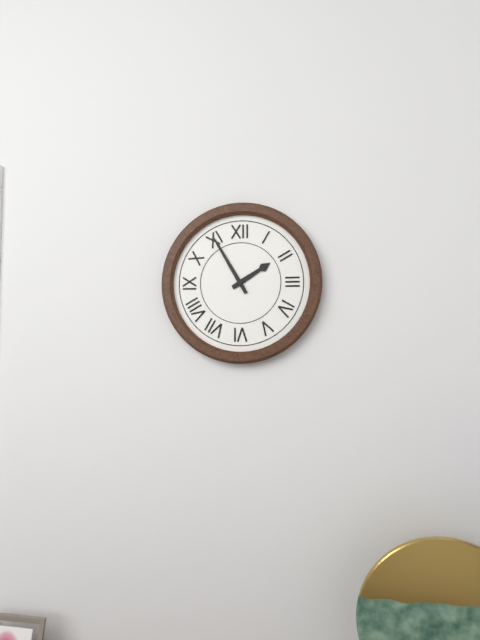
1:55
